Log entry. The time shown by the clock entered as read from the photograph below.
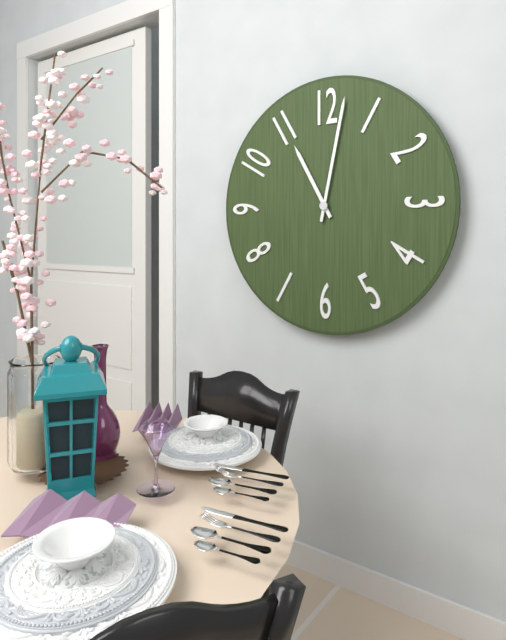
11:02
